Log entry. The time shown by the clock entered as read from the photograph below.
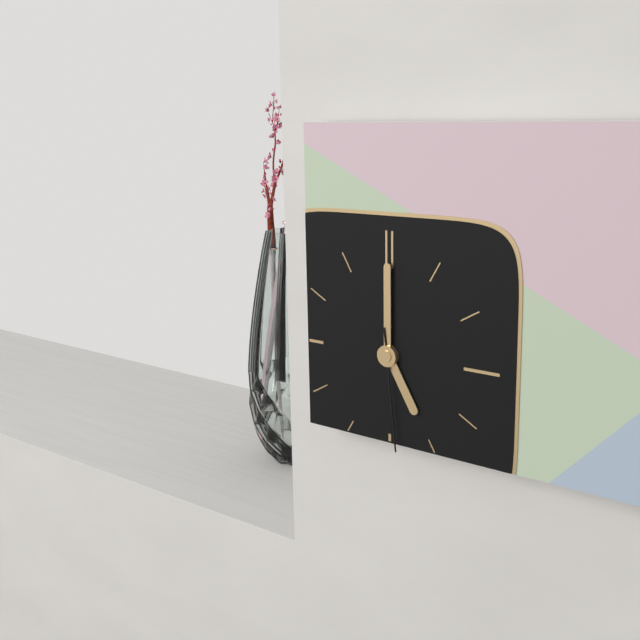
5:00:29
